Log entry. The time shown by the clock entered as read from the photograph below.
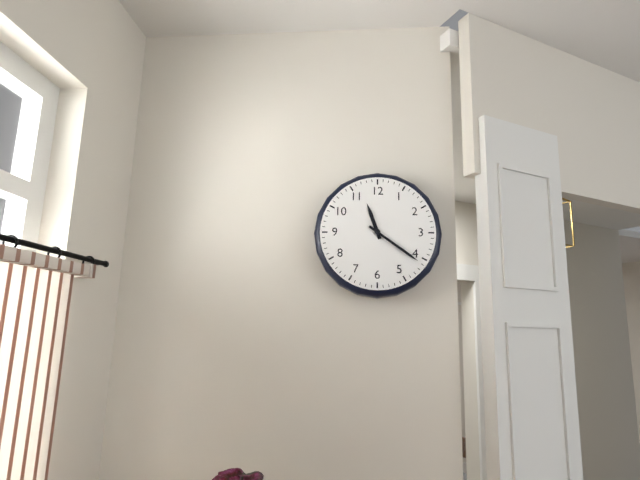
11:21
